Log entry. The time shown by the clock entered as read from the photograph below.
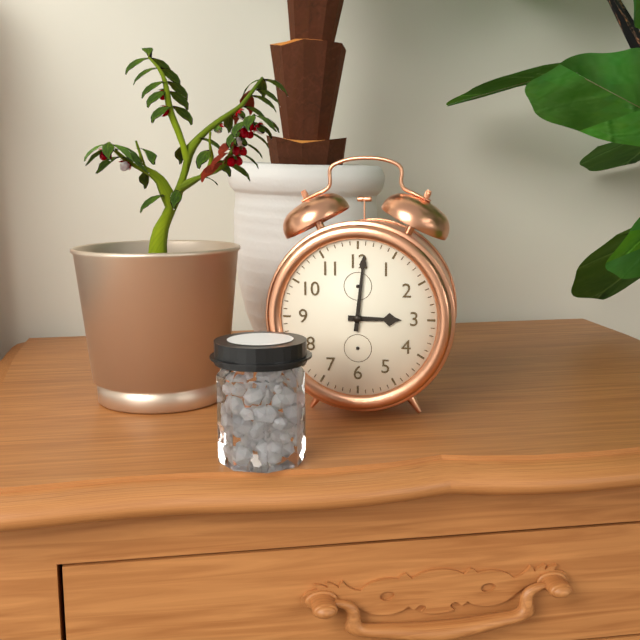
3:01
